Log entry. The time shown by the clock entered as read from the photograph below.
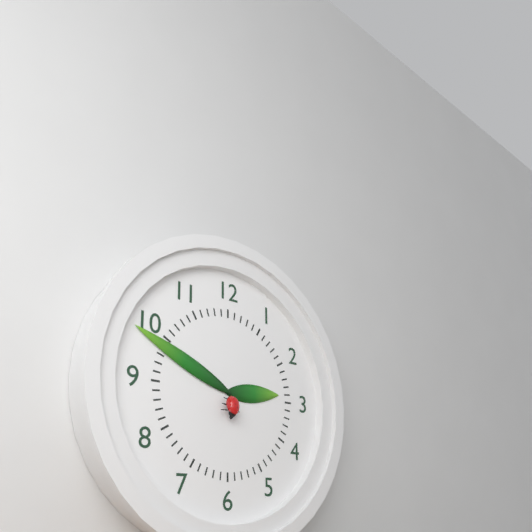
2:49
